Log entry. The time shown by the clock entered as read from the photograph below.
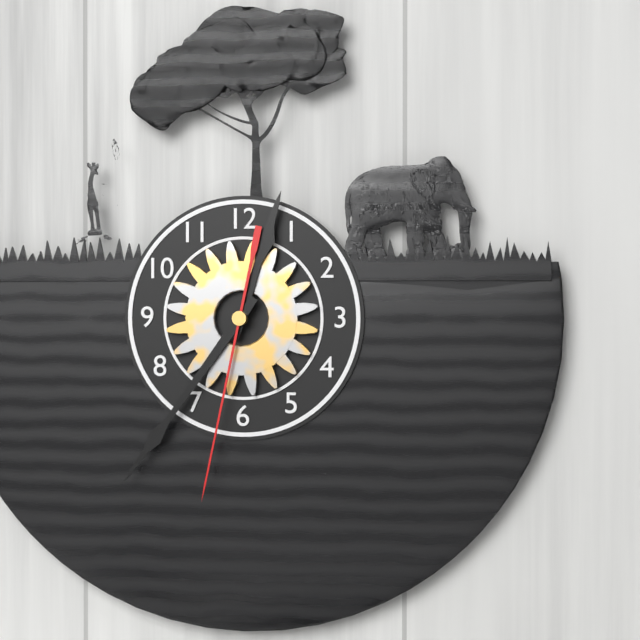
12:36:32
